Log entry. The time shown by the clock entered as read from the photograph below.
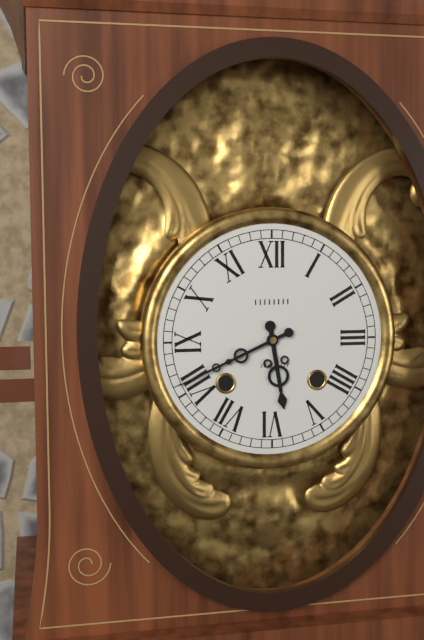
5:41
